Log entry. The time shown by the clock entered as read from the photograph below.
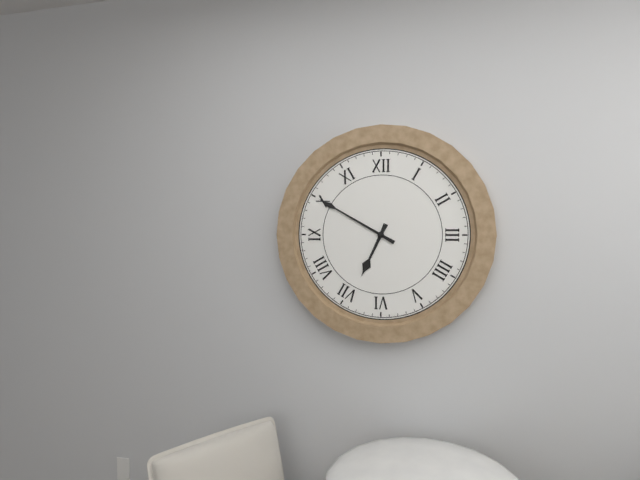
6:50
